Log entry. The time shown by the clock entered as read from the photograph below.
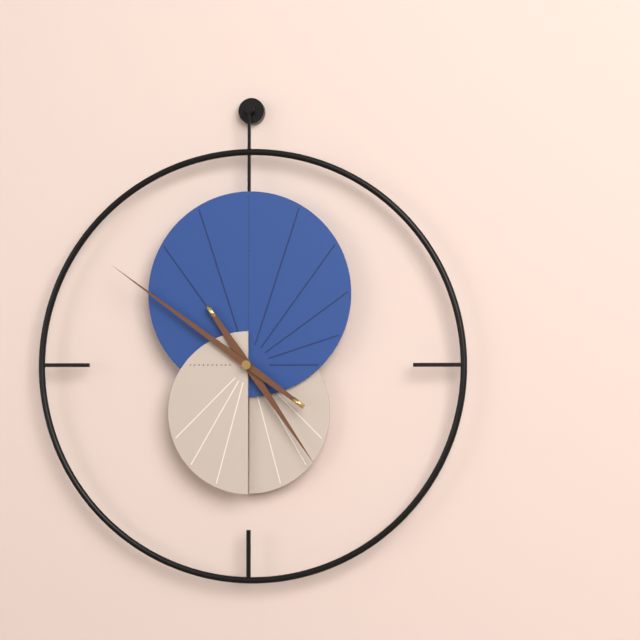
4:51
